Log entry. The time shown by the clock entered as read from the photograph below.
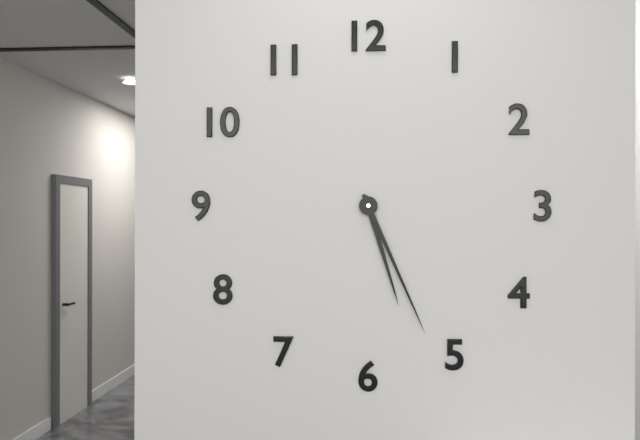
5:26
